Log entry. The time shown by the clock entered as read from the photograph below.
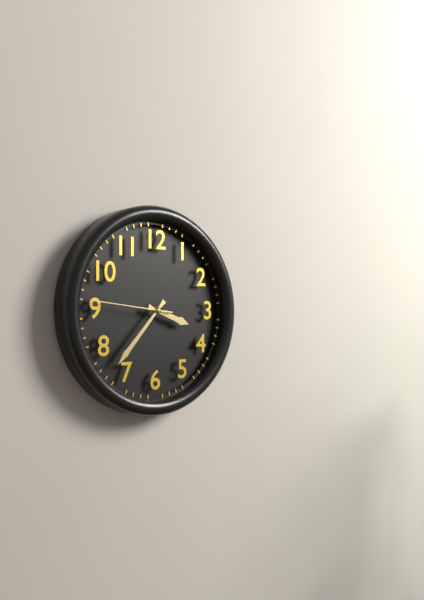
3:37:46
